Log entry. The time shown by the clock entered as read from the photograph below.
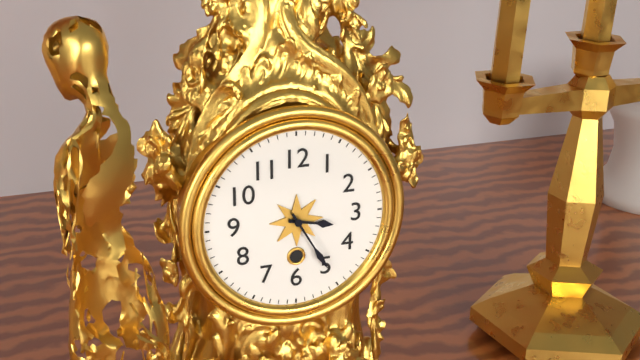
3:25
